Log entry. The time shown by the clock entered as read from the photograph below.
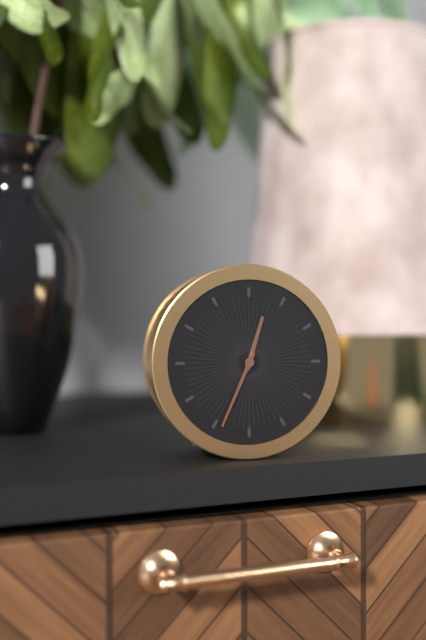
12:34
